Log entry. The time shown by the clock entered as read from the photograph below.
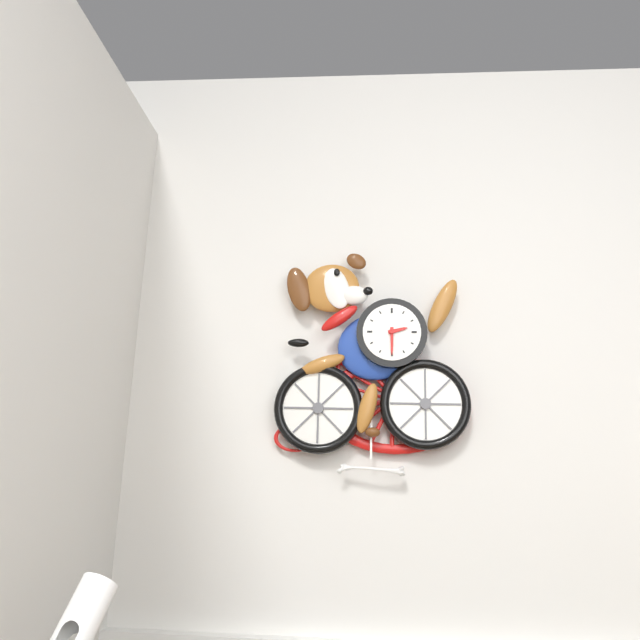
2:30
